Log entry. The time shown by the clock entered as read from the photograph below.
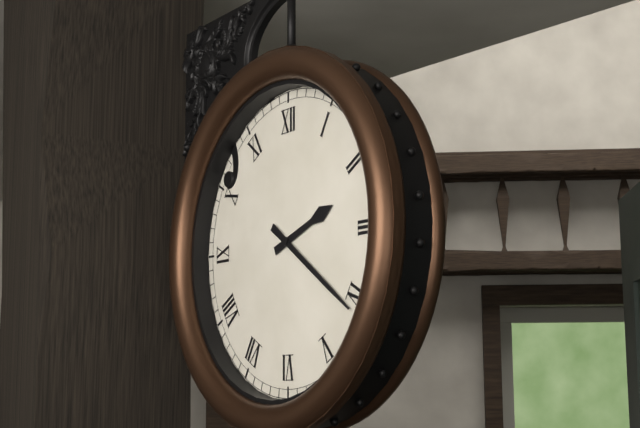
2:21
